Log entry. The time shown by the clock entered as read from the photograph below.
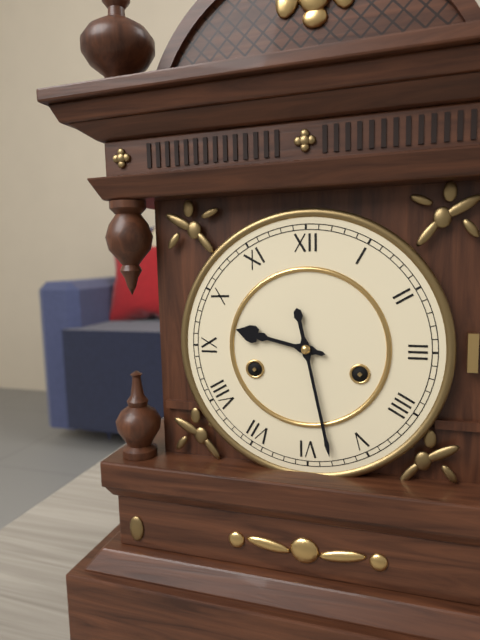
9:28
